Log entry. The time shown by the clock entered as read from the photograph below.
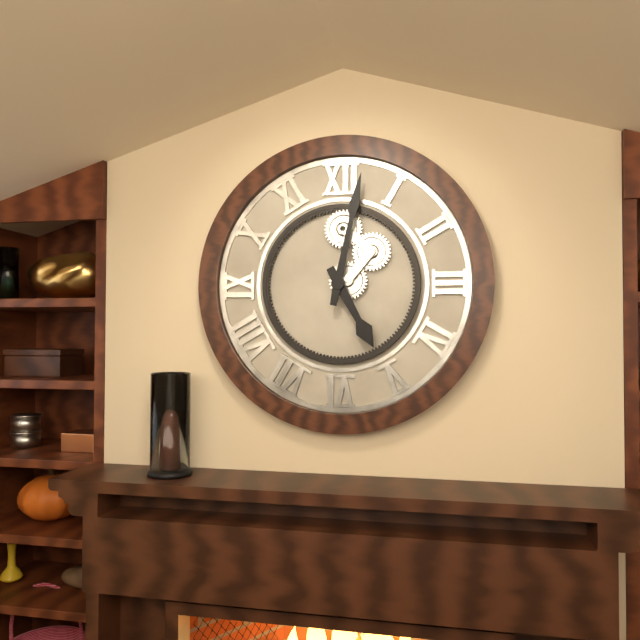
5:02
